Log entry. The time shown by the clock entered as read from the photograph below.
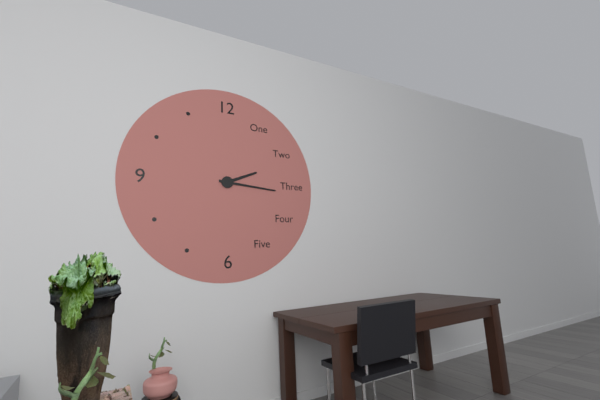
2:16
